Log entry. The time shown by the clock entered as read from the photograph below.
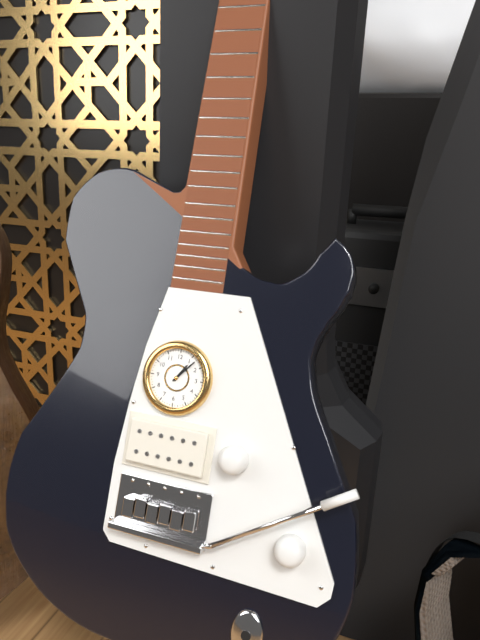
1:07
